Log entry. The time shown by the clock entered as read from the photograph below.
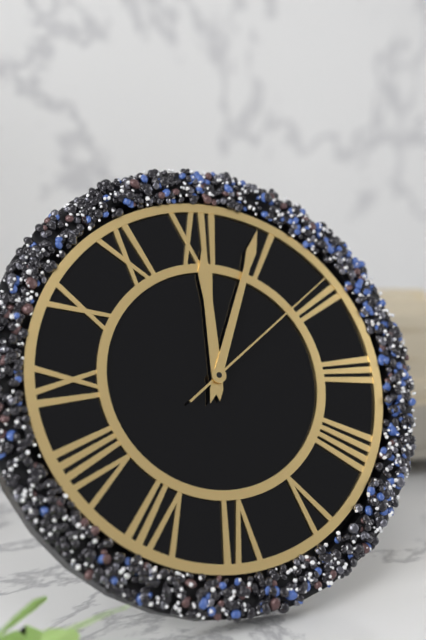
12:04:09
